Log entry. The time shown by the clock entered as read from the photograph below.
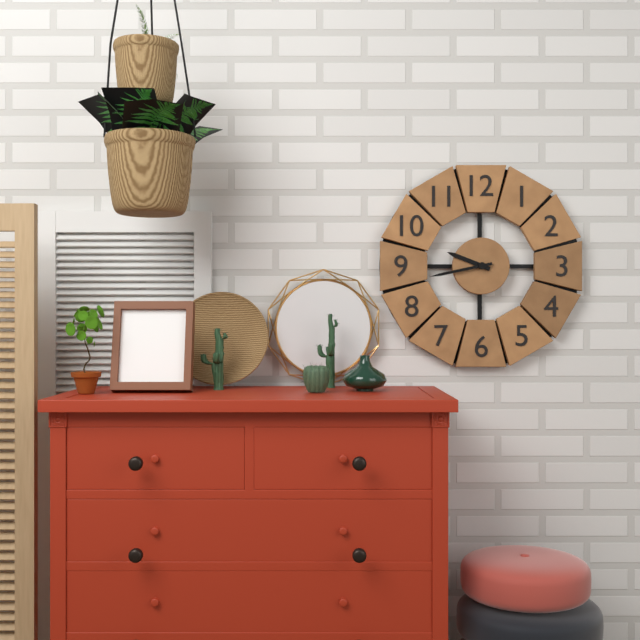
9:43
